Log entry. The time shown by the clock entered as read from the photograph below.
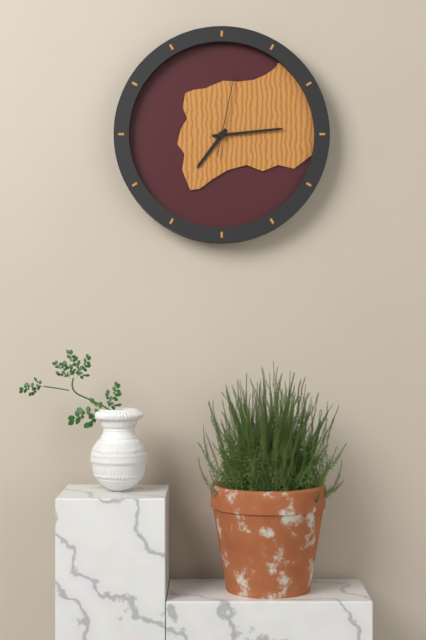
7:14:02
